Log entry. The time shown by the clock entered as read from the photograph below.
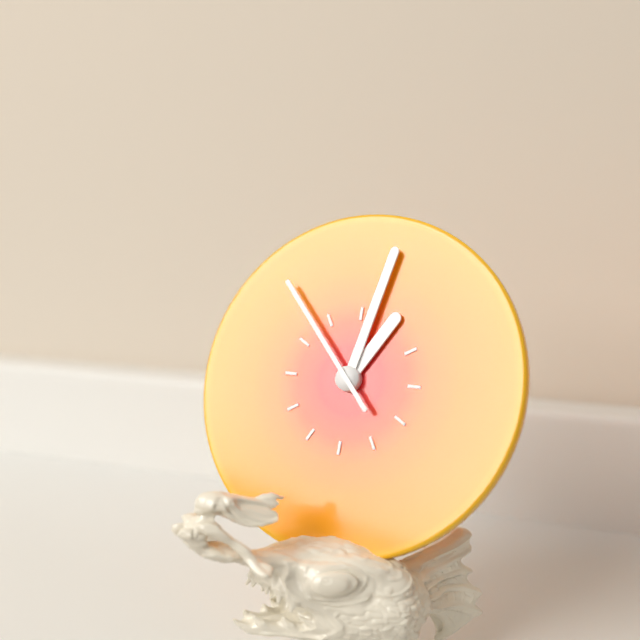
1:02:53
